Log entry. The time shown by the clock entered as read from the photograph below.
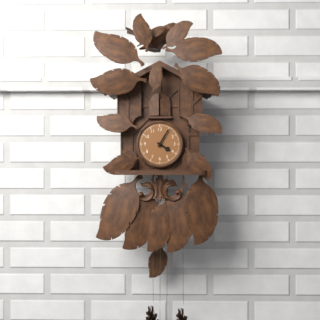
4:05
